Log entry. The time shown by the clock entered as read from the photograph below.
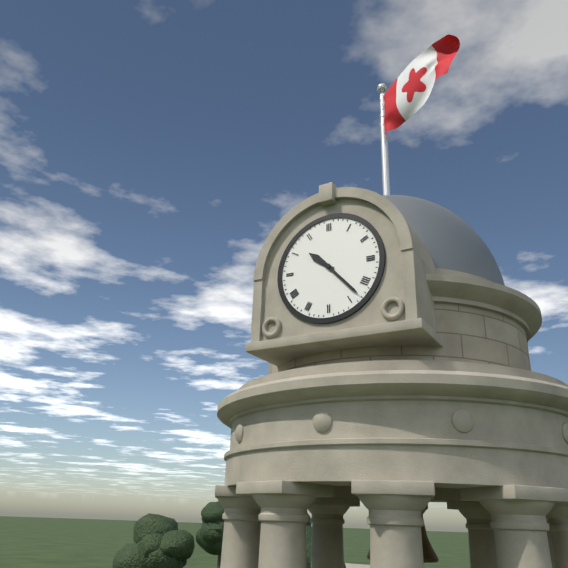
10:23
